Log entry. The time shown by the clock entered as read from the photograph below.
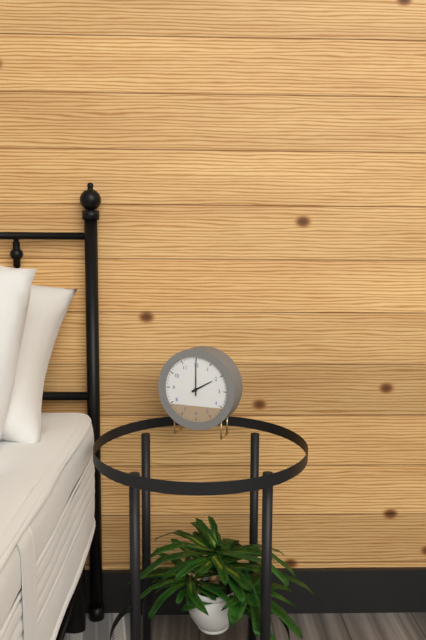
2:00
